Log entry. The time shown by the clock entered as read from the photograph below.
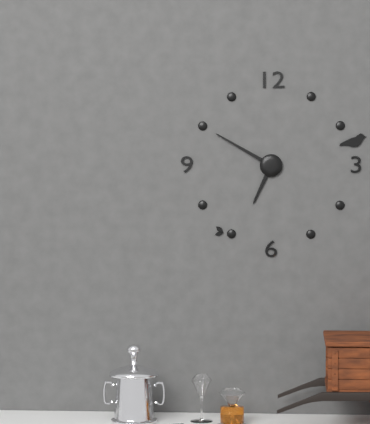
6:50
